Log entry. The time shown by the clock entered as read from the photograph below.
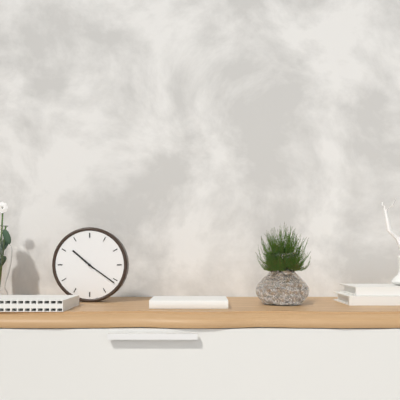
10:21
